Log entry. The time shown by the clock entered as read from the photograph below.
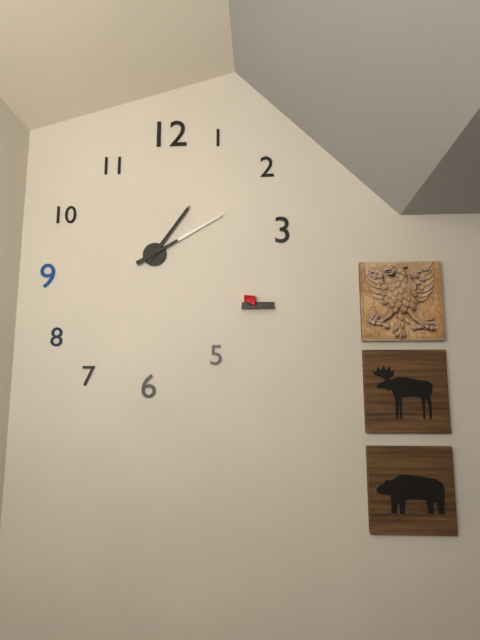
1:10
